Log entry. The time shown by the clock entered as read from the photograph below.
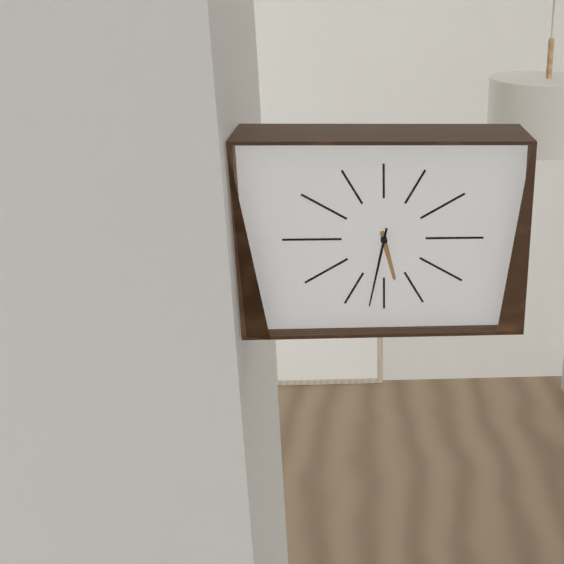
5:32
